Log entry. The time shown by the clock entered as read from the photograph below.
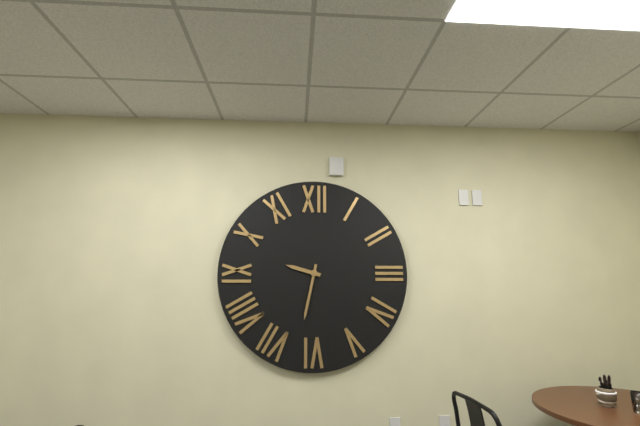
9:32
